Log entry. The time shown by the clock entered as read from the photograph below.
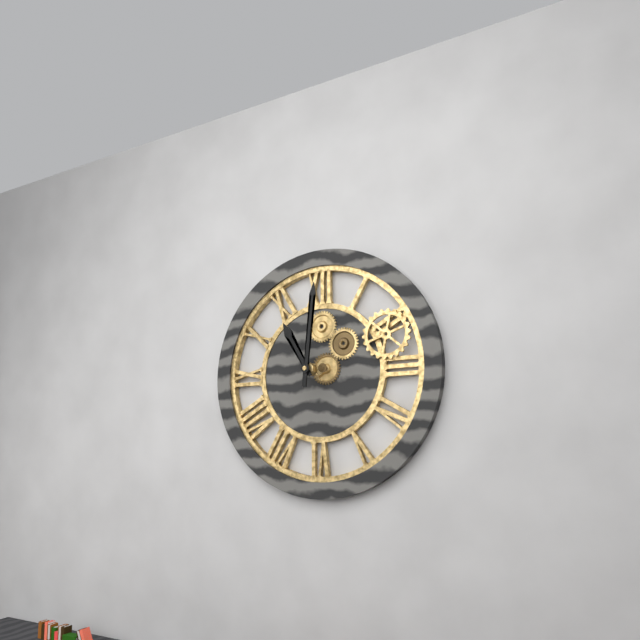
11:01
